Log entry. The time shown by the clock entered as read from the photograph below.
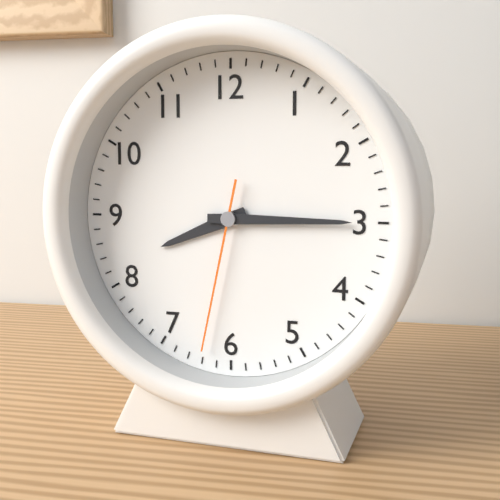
8:15:32
